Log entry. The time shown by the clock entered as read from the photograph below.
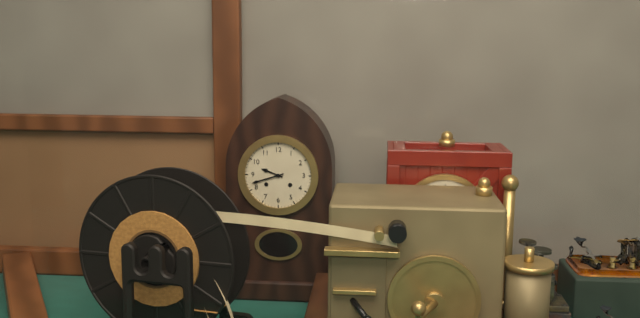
9:42
